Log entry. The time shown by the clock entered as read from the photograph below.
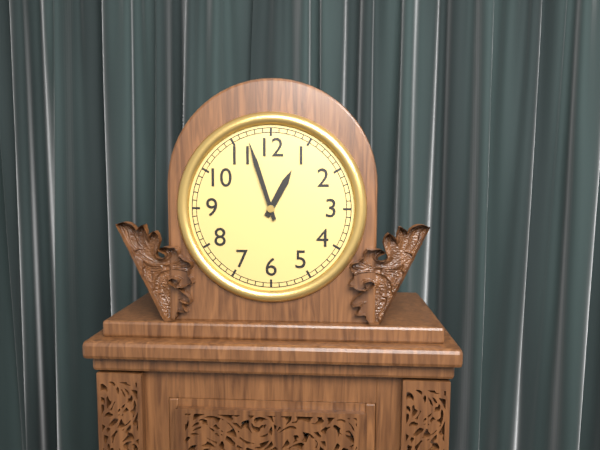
12:57
